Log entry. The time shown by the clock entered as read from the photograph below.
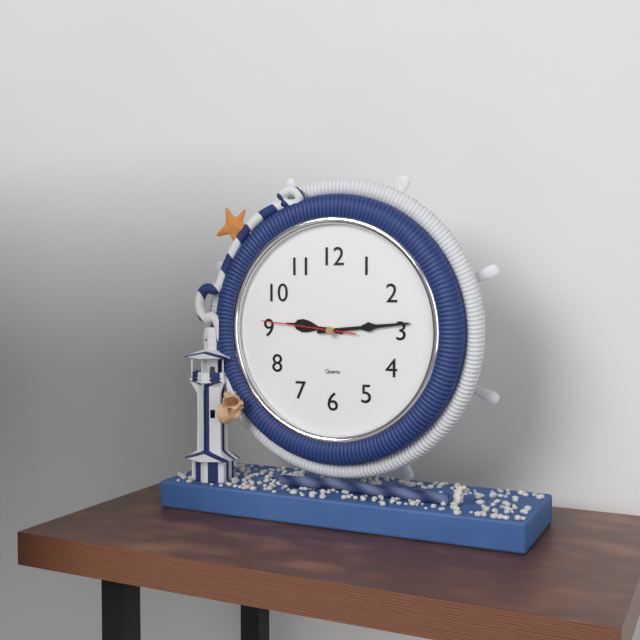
9:14:46
